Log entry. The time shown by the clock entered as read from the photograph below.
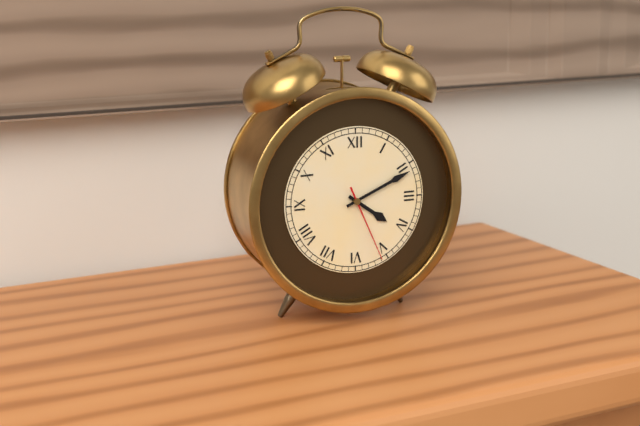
4:11:26
